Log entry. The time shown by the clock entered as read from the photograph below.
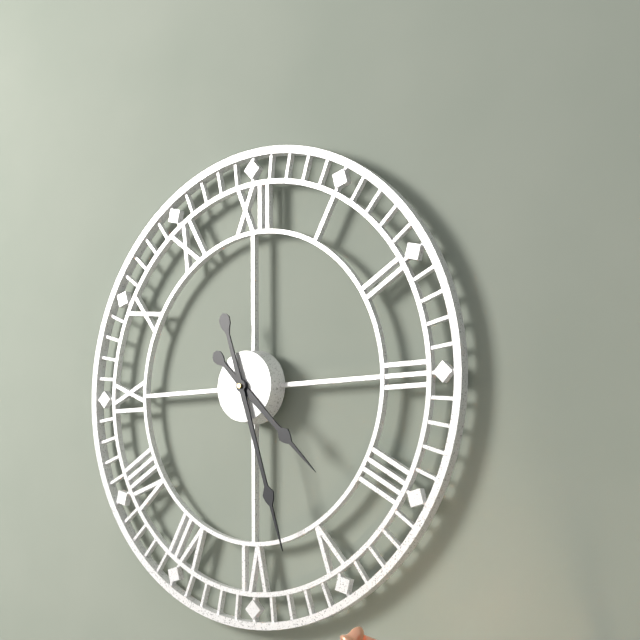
4:27
